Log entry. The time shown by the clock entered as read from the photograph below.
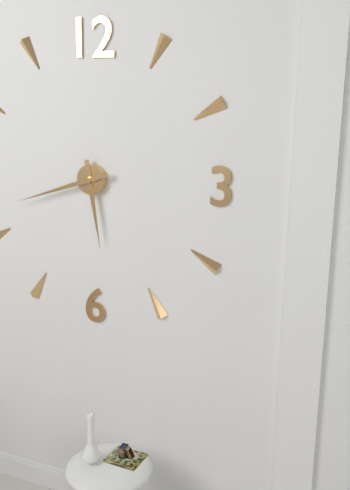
5:42
